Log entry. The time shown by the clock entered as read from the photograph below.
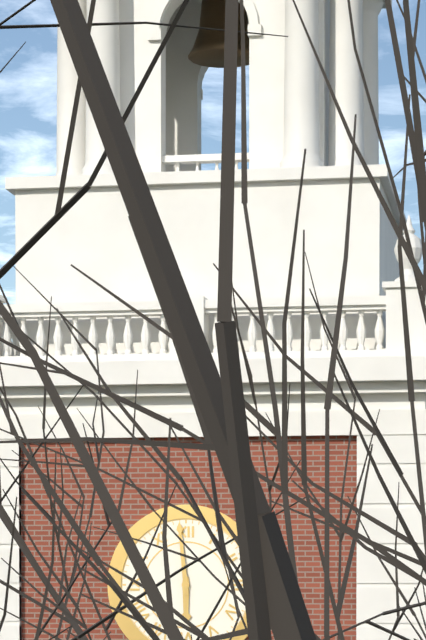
5:59
